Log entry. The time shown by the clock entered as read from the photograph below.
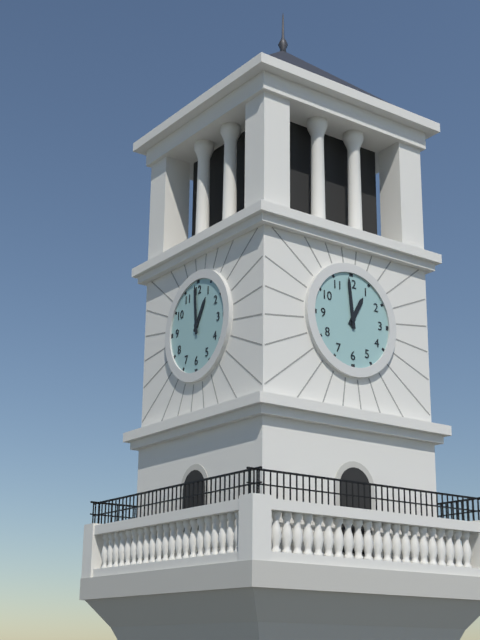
12:59
